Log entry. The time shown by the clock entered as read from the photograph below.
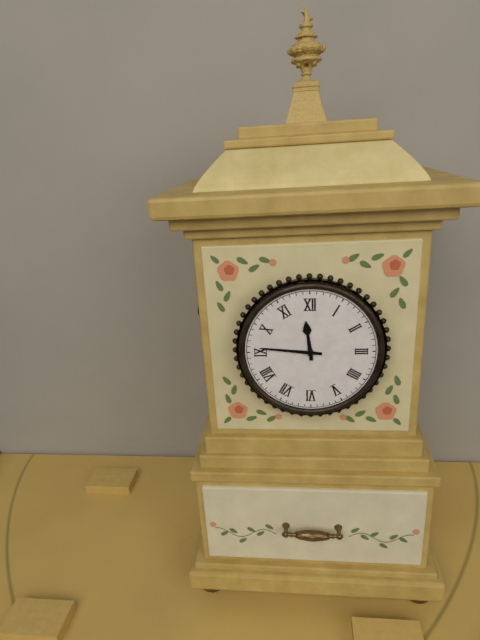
11:46
